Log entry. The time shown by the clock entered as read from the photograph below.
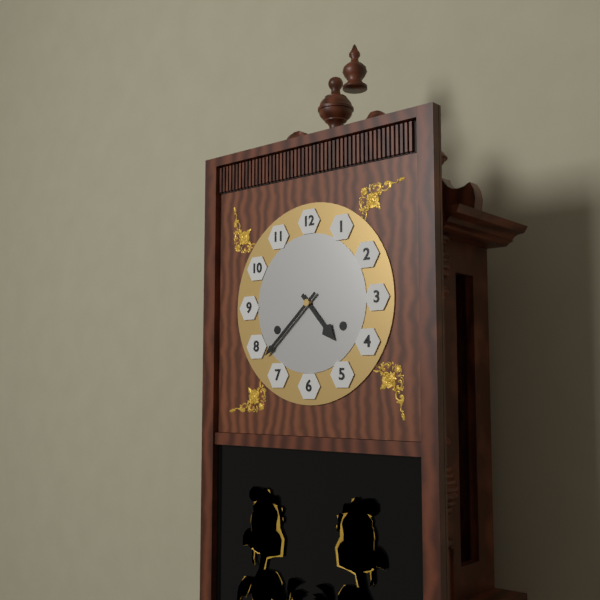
4:38
